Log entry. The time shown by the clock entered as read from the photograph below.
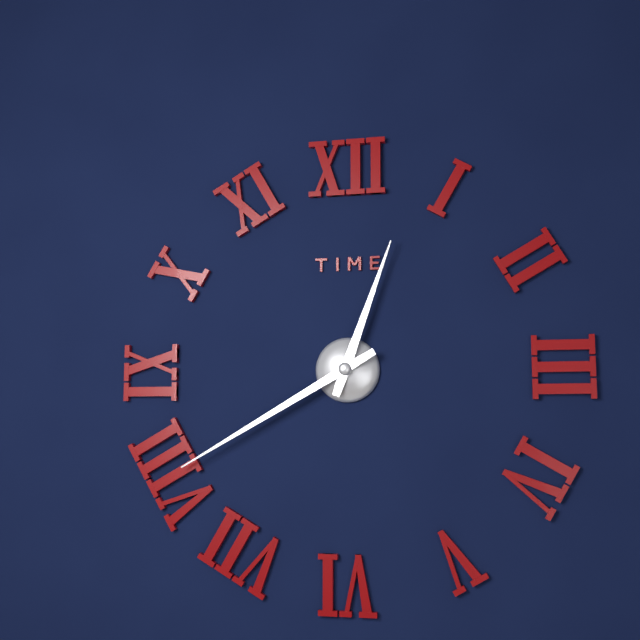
12:40
